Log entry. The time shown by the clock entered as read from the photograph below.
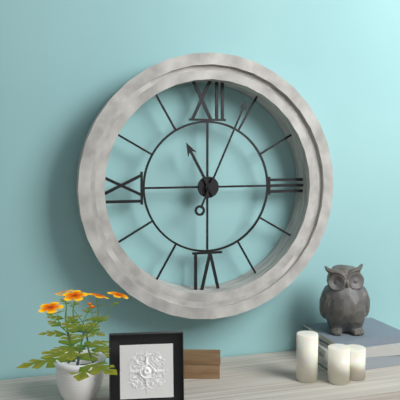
11:04
